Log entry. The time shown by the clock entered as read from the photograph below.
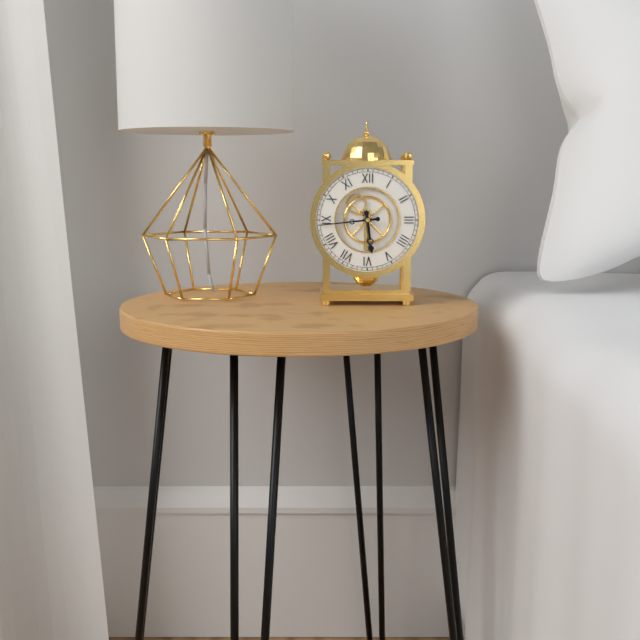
5:44
